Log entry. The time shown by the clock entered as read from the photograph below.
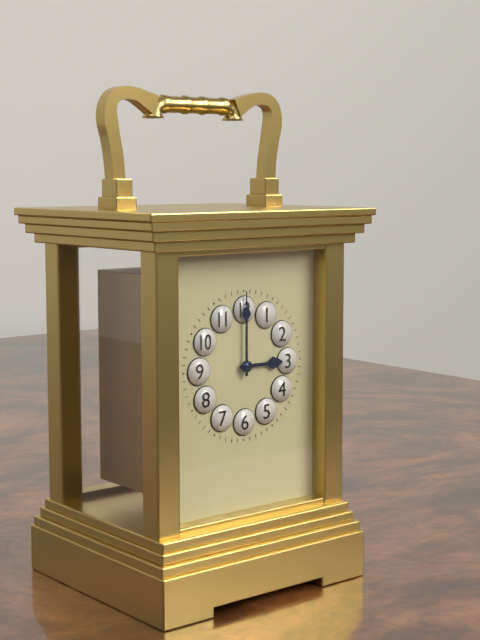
3:00
